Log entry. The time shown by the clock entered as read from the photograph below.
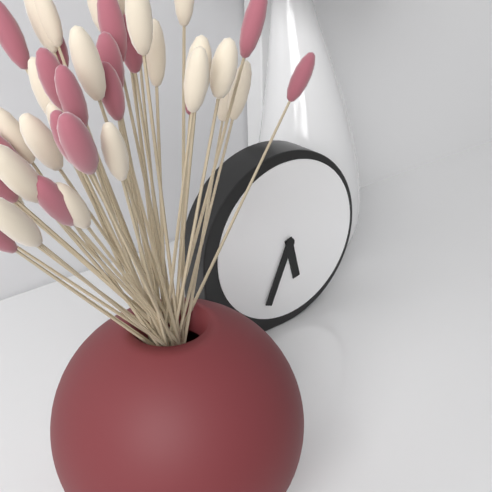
5:34
